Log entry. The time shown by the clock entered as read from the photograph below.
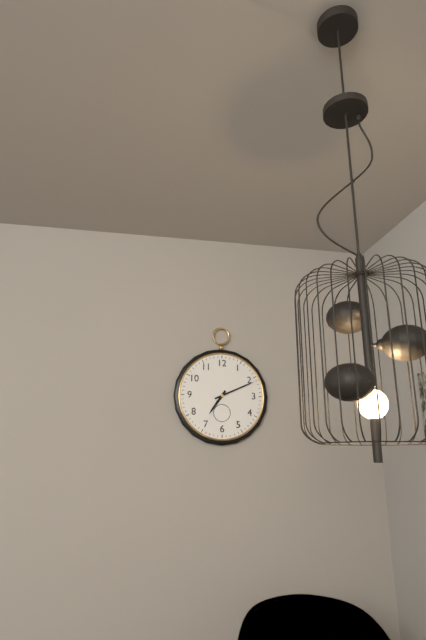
7:11
